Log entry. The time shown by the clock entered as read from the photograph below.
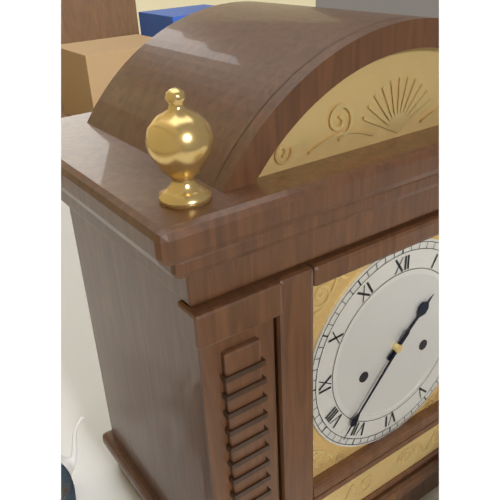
1:37
